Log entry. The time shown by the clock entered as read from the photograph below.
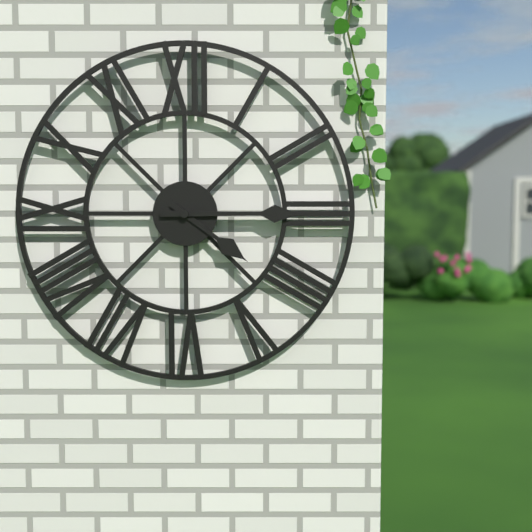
4:15
